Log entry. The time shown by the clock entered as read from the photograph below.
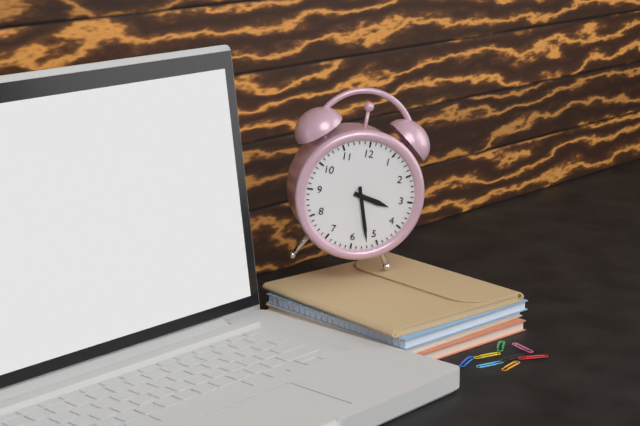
3:27
